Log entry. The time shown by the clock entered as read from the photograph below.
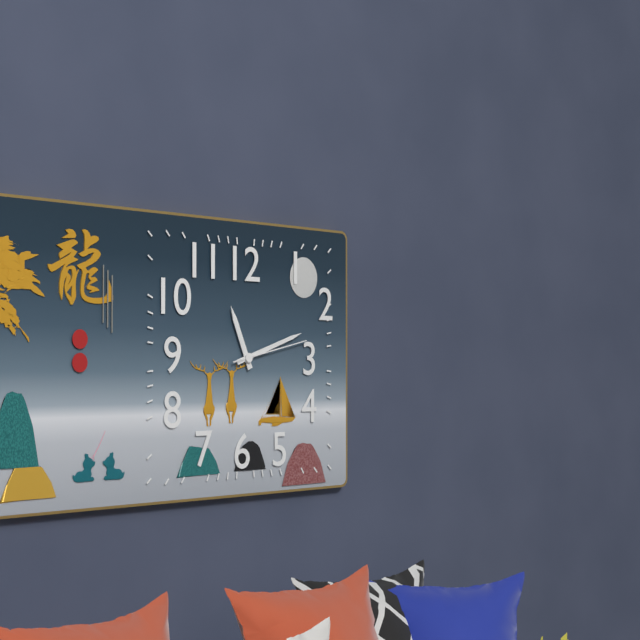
11:12:13
